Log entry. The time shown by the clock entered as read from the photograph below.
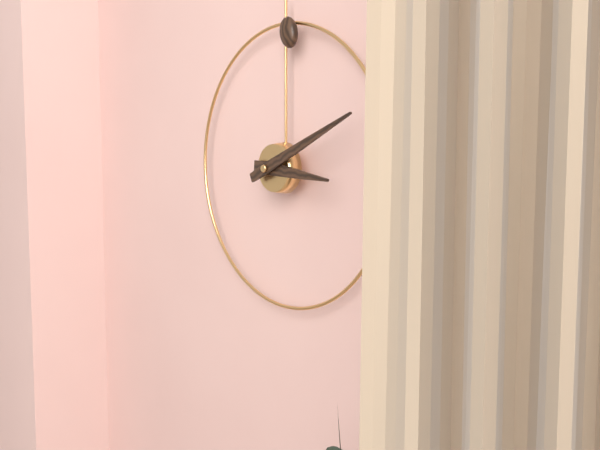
3:11
